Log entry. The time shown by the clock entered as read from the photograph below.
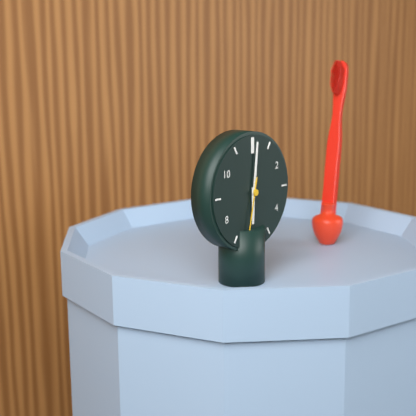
6:01:32
